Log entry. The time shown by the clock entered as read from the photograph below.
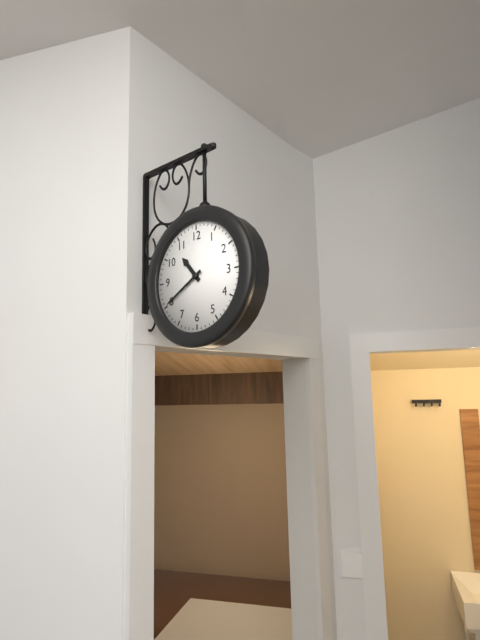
10:40
